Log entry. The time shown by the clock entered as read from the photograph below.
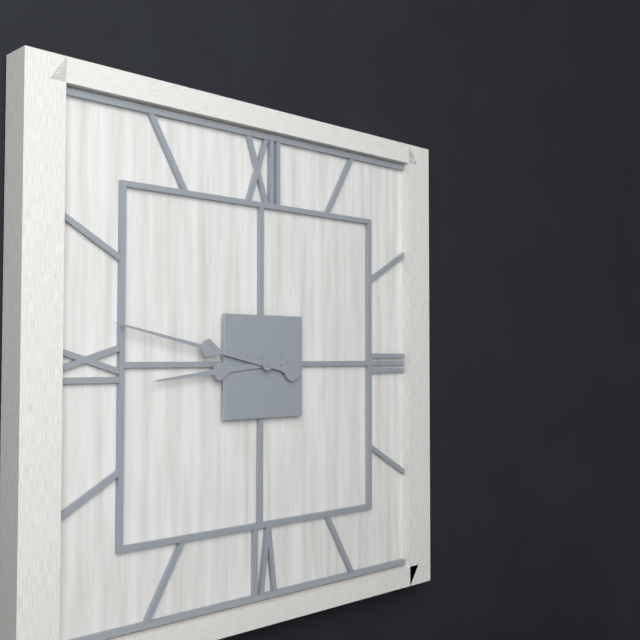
8:47
